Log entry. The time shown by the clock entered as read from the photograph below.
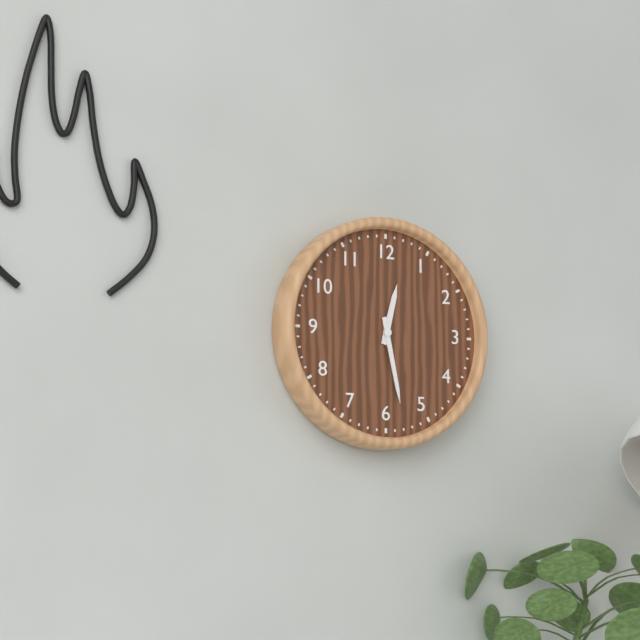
12:28
